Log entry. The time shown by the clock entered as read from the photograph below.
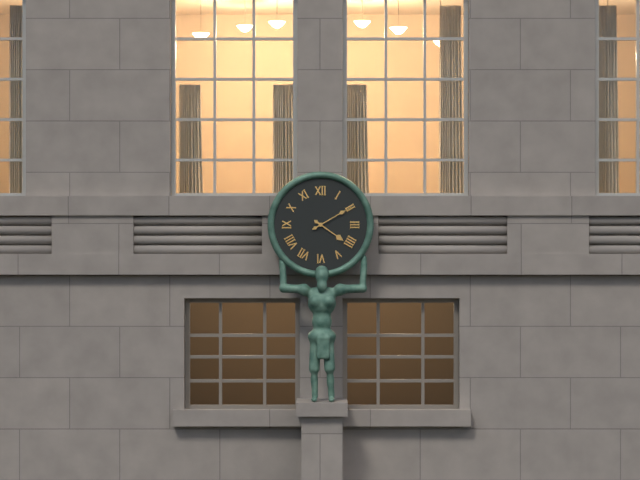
4:10
